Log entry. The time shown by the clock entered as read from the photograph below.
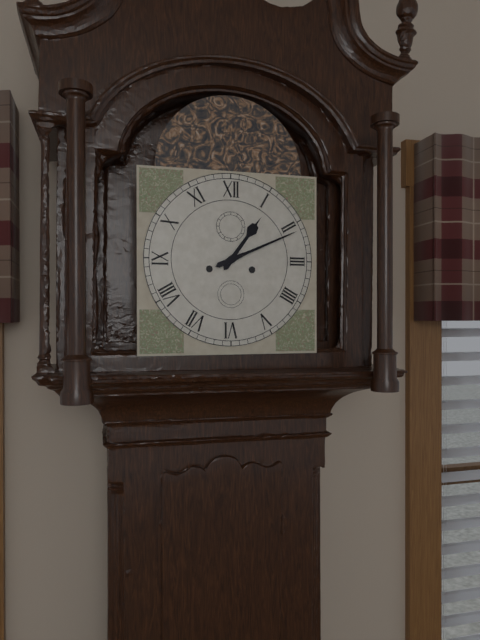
1:11
